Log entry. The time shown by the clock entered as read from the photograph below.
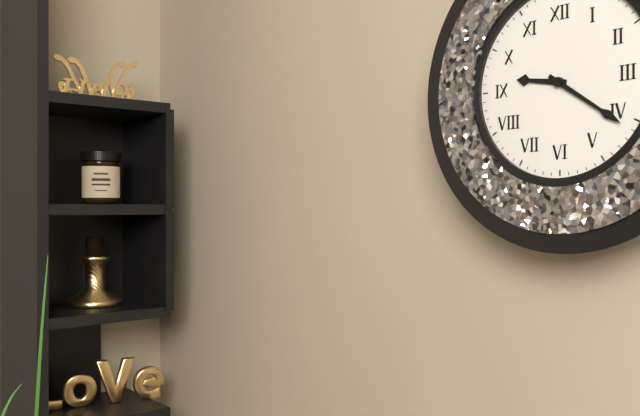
9:21
